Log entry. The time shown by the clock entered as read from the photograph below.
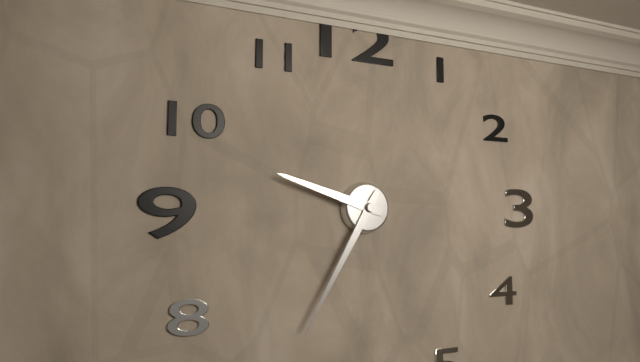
9:35
